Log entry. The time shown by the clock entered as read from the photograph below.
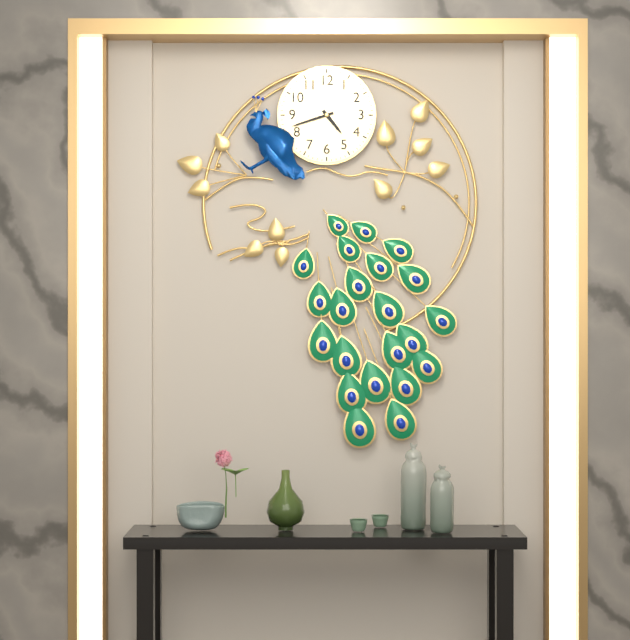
4:42
